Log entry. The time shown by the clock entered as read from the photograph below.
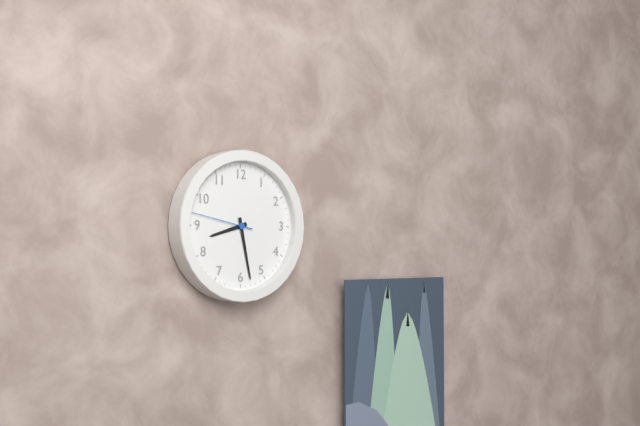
8:28:47
